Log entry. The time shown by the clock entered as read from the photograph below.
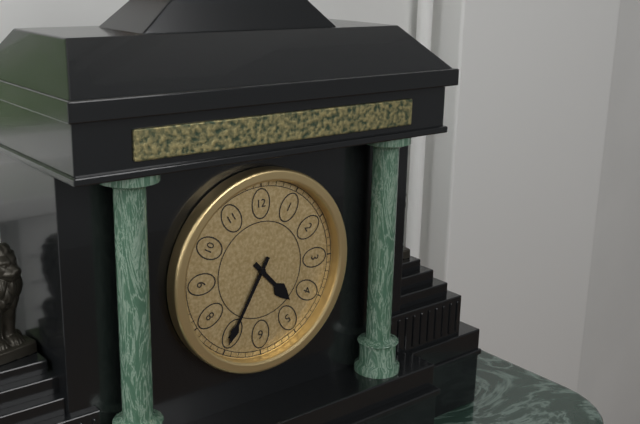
4:35
